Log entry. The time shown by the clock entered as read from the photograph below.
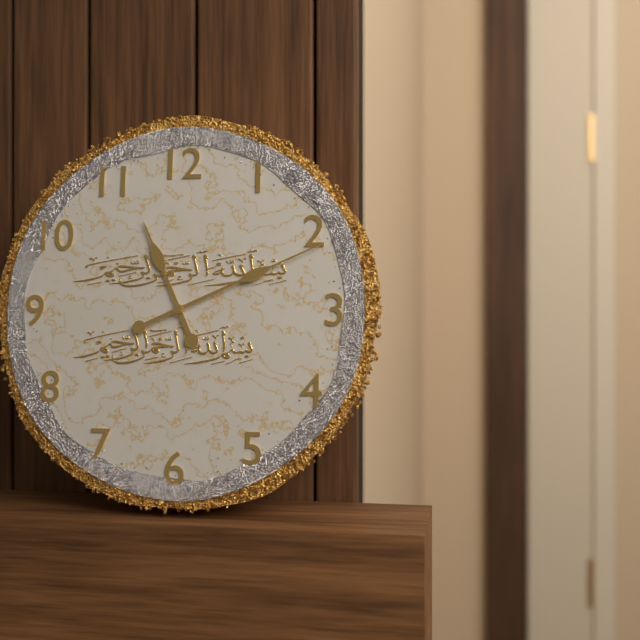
11:11
